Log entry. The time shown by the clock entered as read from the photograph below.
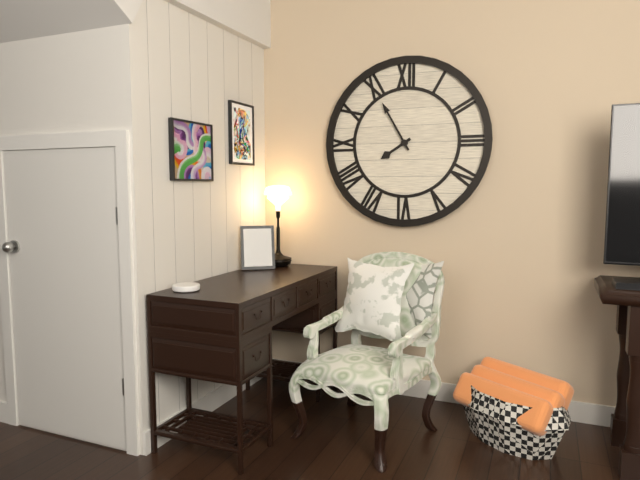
7:55
